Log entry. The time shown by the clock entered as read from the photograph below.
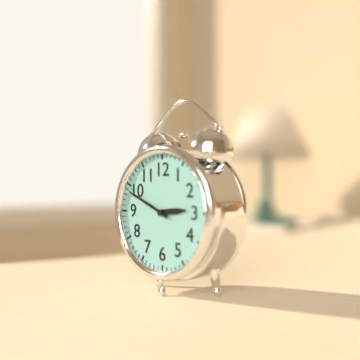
2:49
